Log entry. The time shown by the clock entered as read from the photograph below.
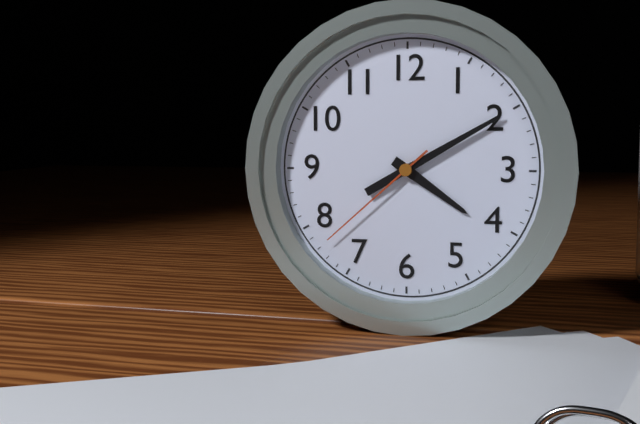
4:10:38
